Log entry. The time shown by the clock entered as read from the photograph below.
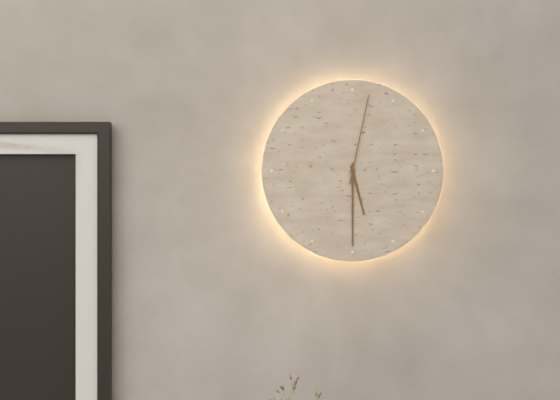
5:30:02
